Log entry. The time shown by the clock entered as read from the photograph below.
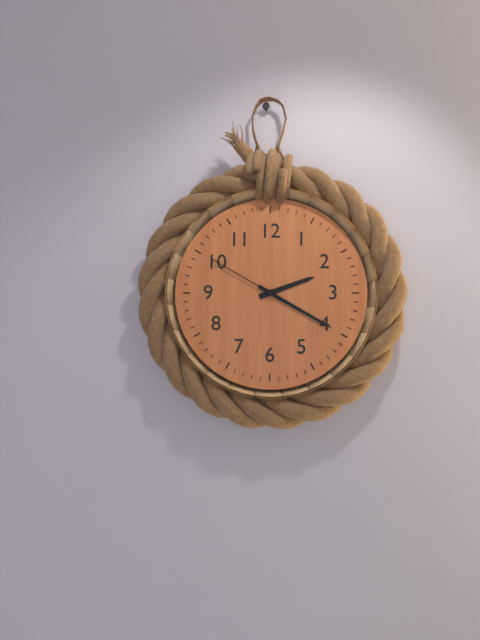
2:20:50
